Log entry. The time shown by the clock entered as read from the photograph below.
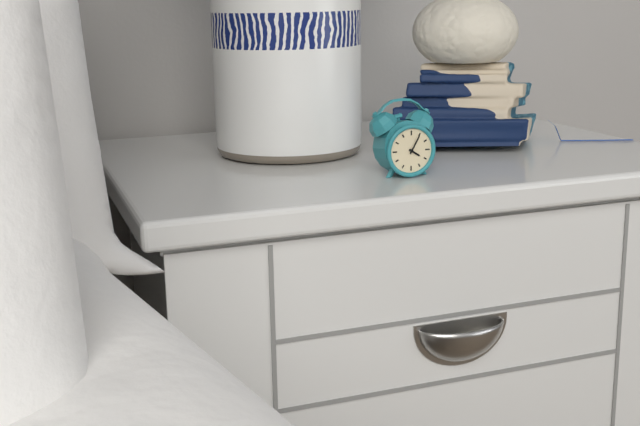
4:05
